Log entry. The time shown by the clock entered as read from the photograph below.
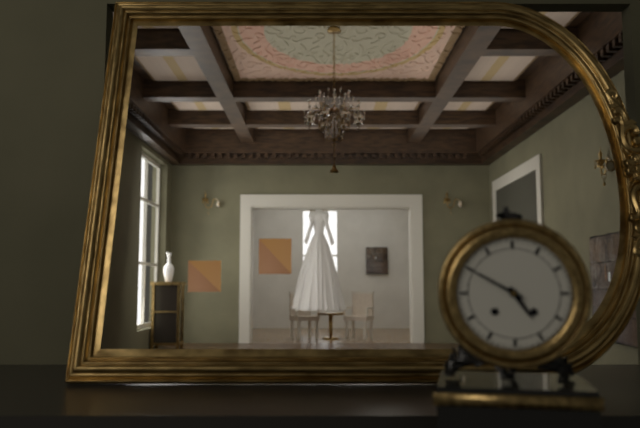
4:50
